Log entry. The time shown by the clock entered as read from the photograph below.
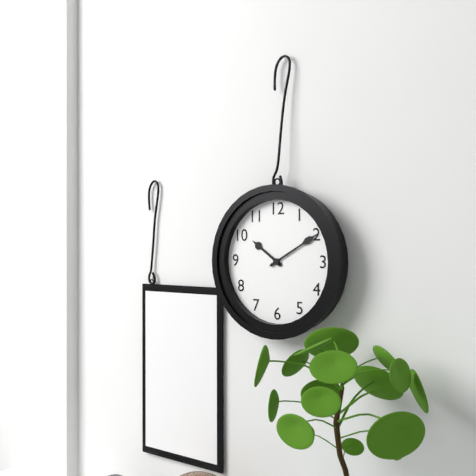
10:10
